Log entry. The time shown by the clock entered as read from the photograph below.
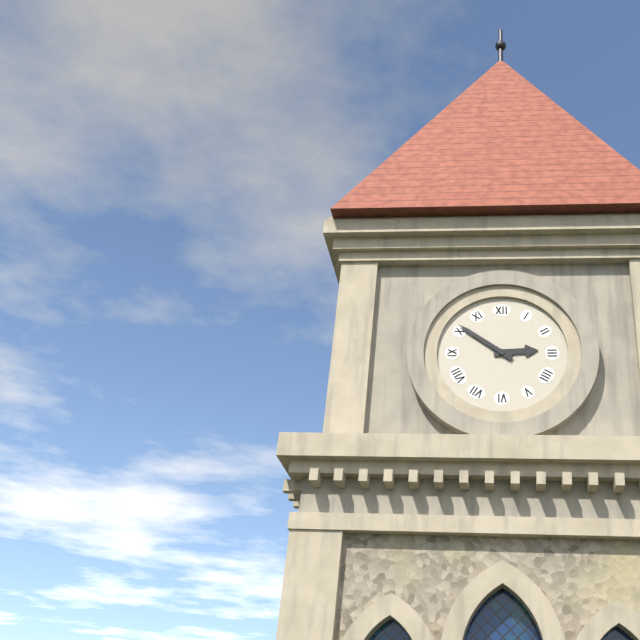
2:51
